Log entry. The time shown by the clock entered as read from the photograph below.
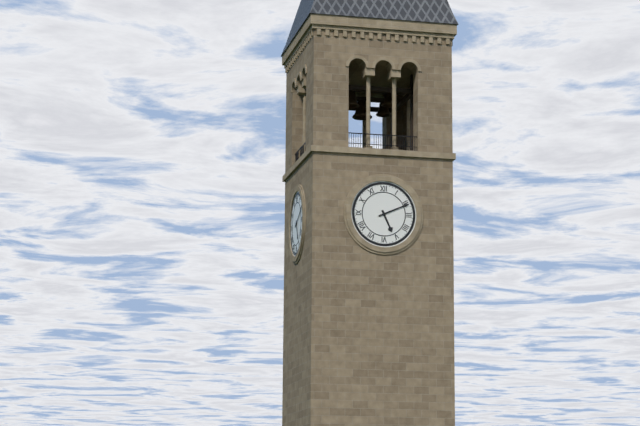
5:11
